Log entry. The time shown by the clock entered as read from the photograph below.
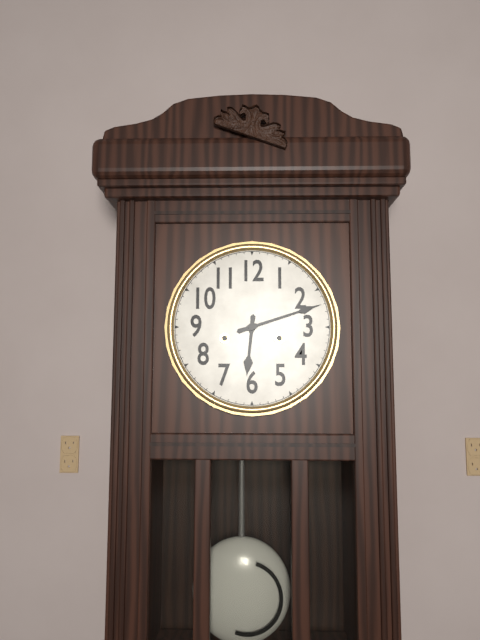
6:12
